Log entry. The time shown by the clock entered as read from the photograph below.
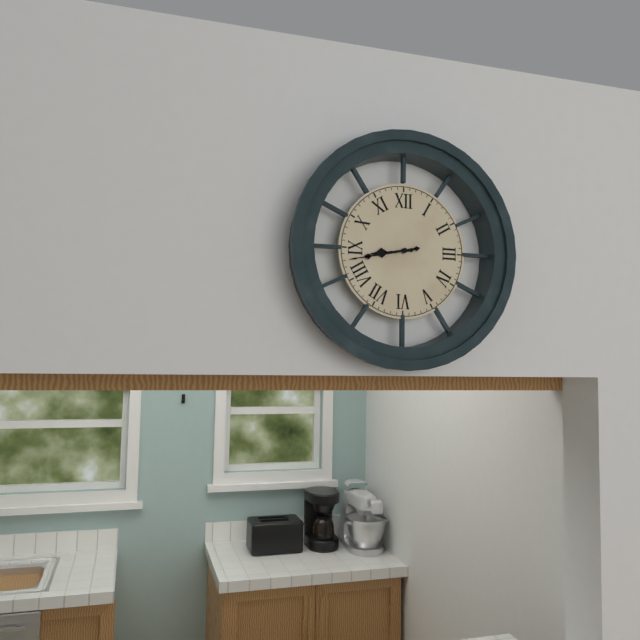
8:43
